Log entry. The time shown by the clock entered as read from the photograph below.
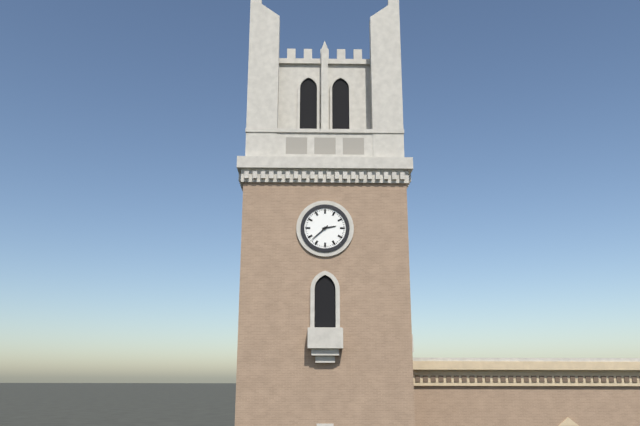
2:38
